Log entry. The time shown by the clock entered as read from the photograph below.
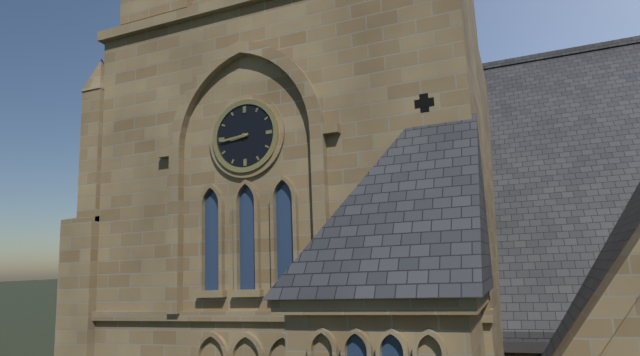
8:44
